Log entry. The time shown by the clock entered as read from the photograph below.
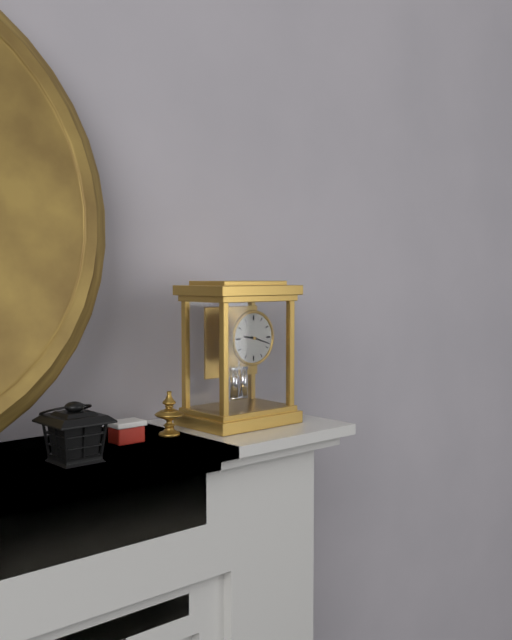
9:18
